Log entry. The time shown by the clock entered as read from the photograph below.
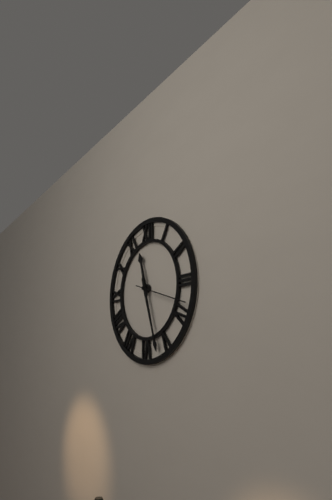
11:27
